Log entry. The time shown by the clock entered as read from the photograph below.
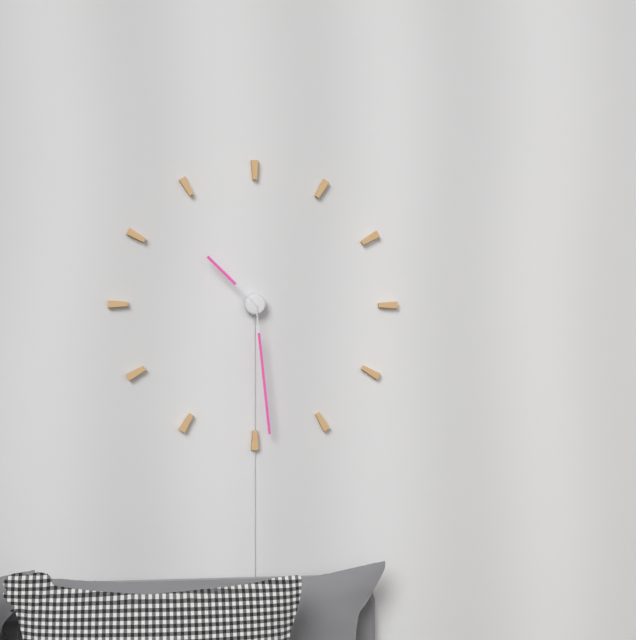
10:29
